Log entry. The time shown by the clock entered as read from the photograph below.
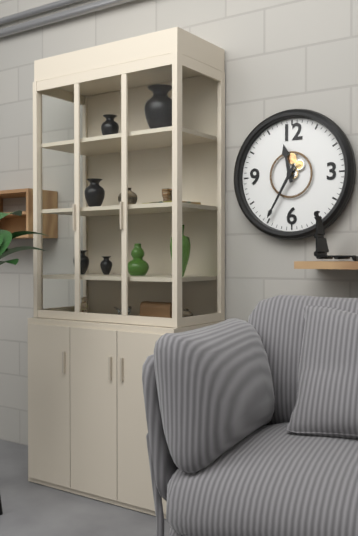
11:35
